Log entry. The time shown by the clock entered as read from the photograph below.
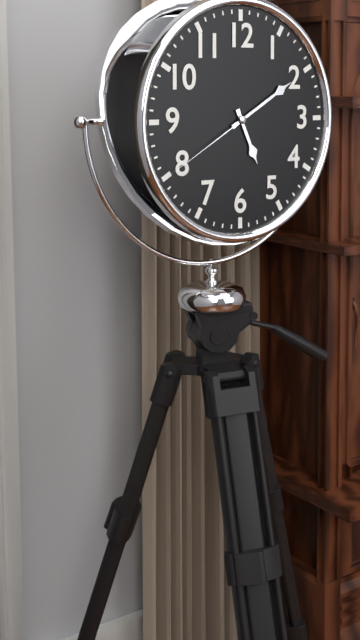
5:10:40
